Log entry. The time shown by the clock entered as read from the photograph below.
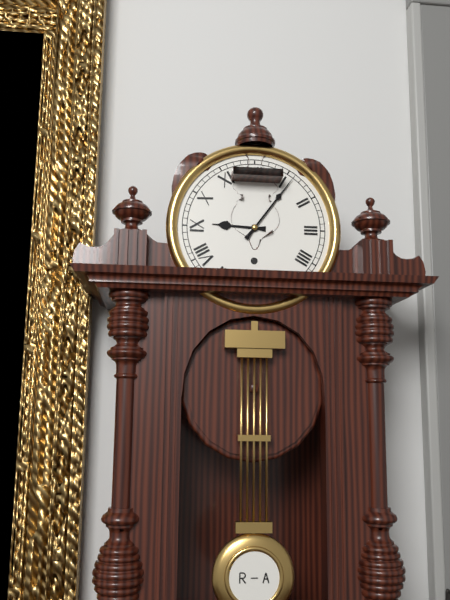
9:06
